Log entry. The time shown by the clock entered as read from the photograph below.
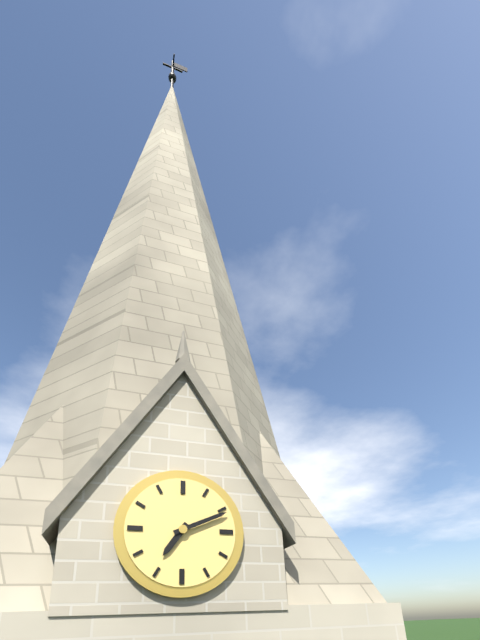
7:11
